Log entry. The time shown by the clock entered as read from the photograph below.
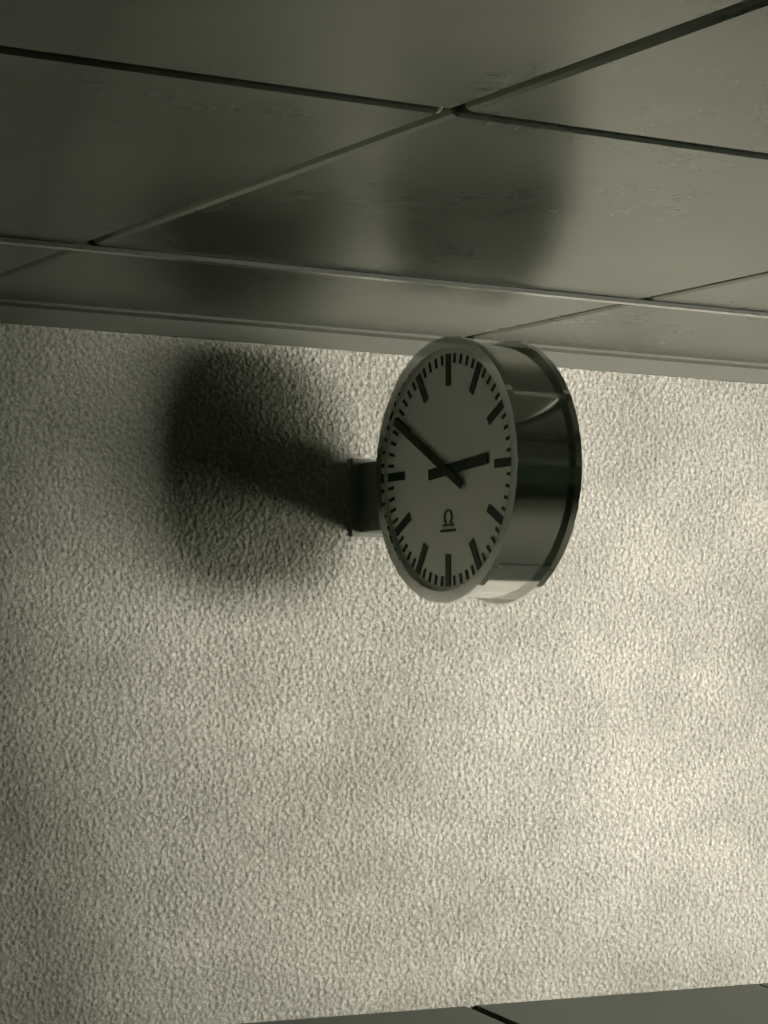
2:50
